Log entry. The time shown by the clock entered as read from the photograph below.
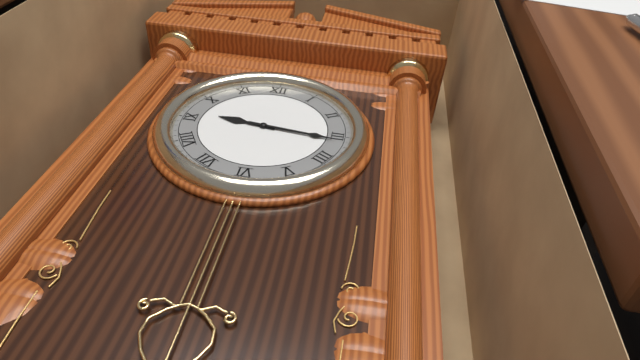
9:16
